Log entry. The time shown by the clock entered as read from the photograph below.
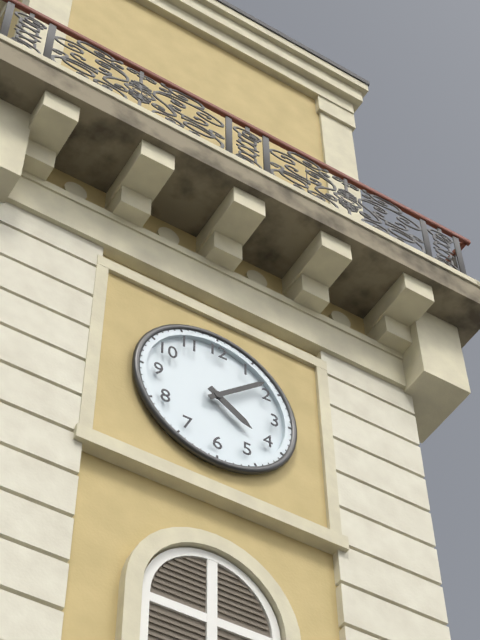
4:08
